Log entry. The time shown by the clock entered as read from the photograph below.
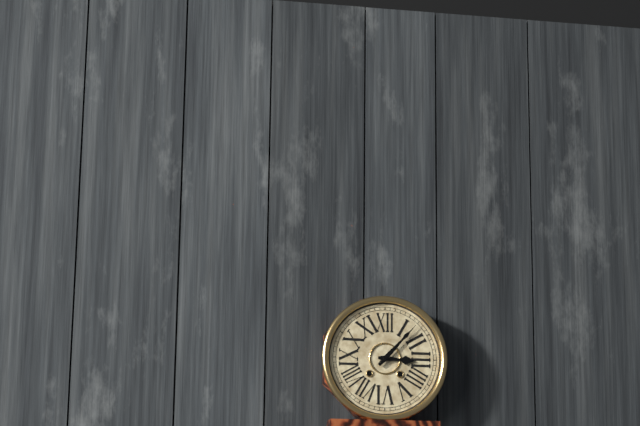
3:07
